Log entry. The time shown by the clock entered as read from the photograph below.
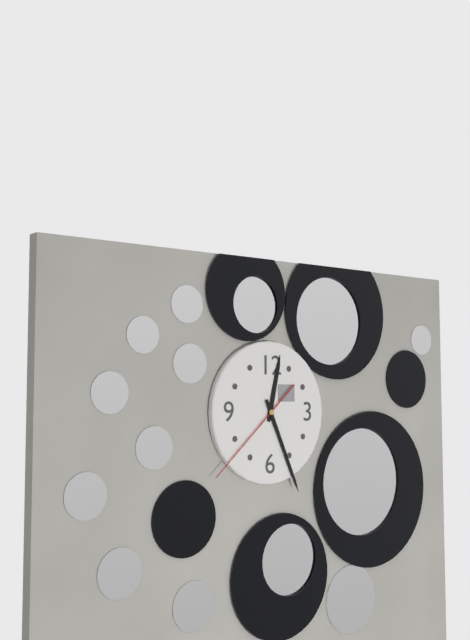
12:26:38
